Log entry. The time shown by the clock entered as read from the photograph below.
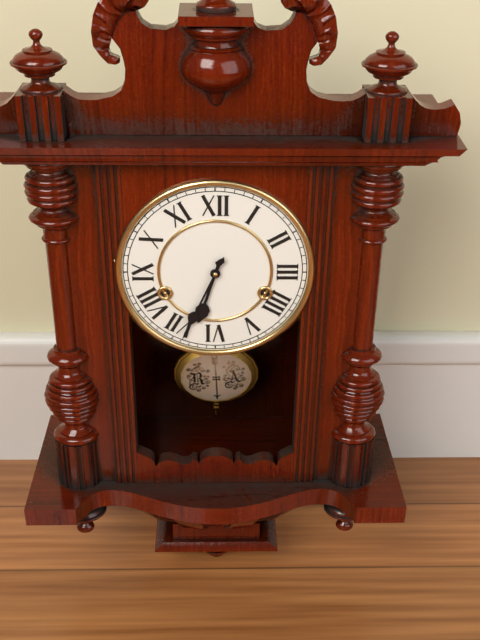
6:34
